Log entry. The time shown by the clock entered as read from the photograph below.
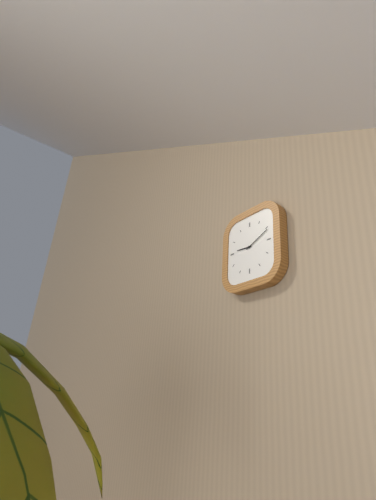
9:11
